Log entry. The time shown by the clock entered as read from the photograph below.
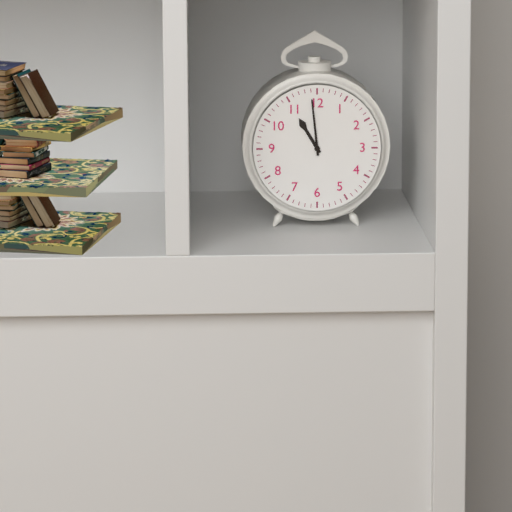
10:59
